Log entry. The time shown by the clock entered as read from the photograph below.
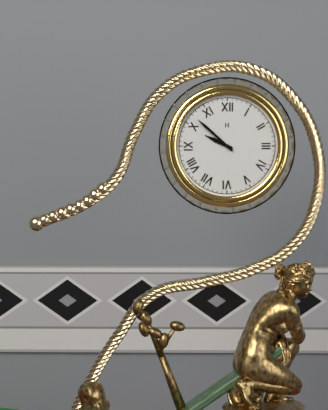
9:52
